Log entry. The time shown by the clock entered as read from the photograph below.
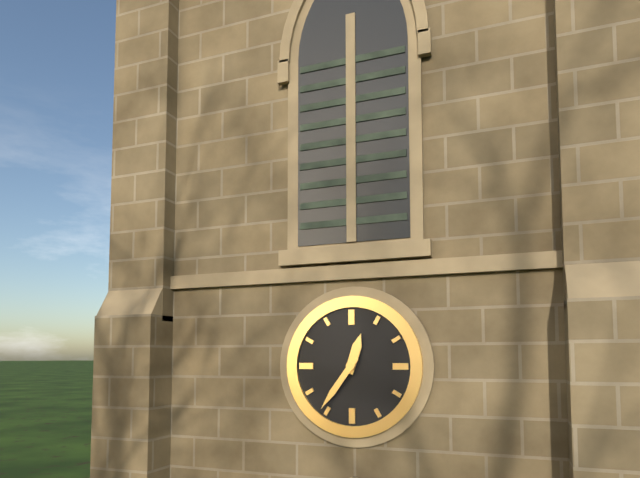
12:36
